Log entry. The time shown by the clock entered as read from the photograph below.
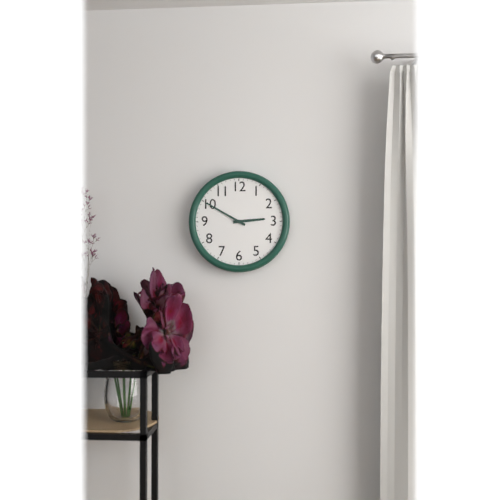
2:50
